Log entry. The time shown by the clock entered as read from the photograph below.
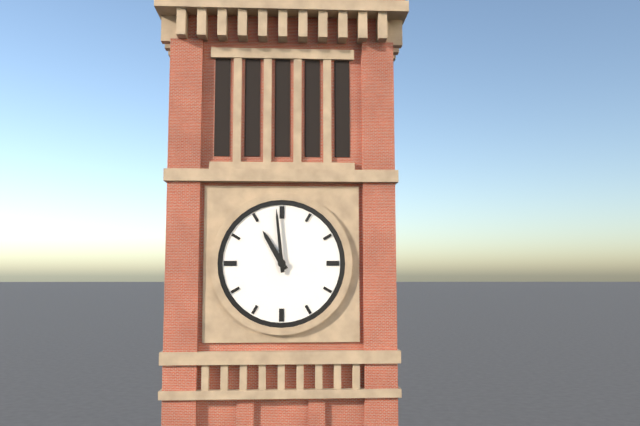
10:59
